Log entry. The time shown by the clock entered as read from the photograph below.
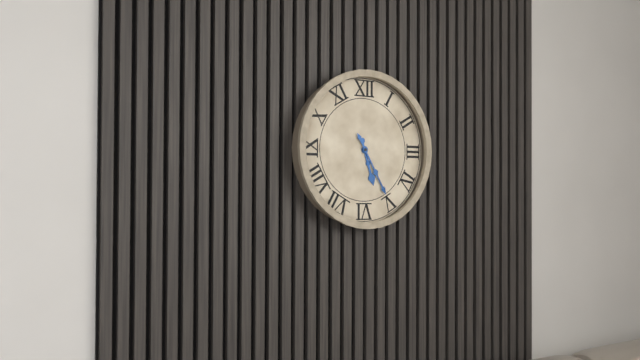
5:25
